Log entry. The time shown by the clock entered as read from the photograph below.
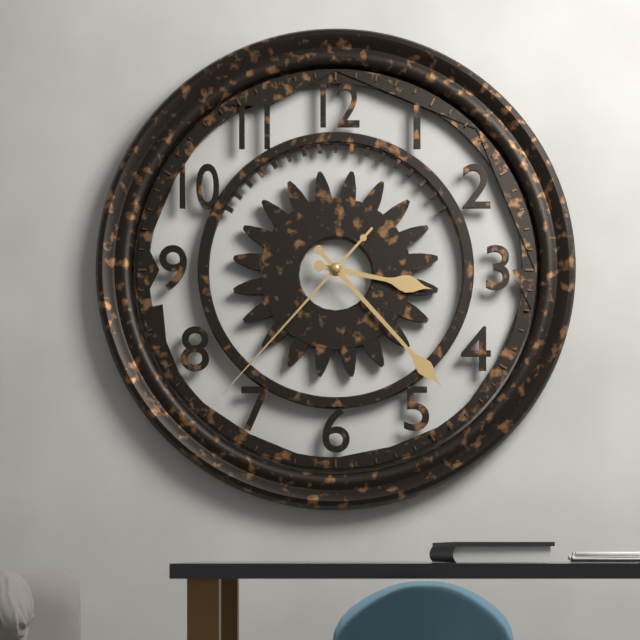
3:23:37
